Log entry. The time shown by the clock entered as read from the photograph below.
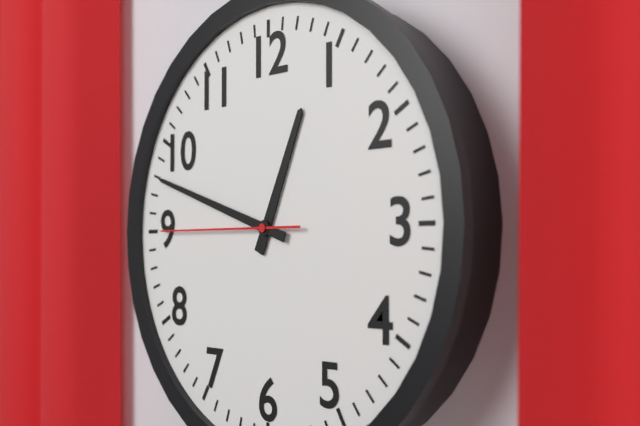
12:48:45
